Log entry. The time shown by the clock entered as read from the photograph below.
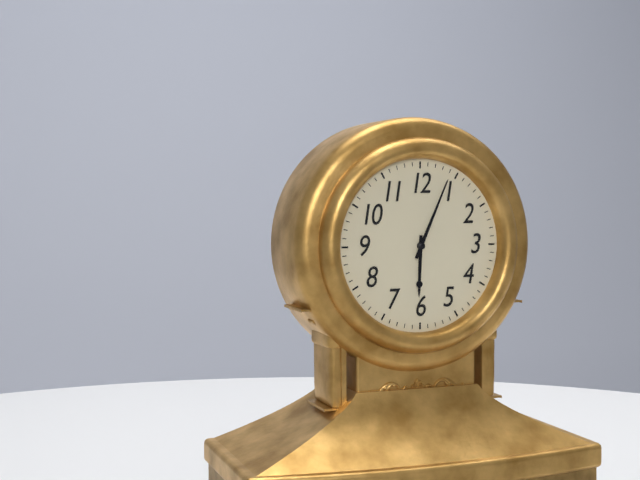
6:04
